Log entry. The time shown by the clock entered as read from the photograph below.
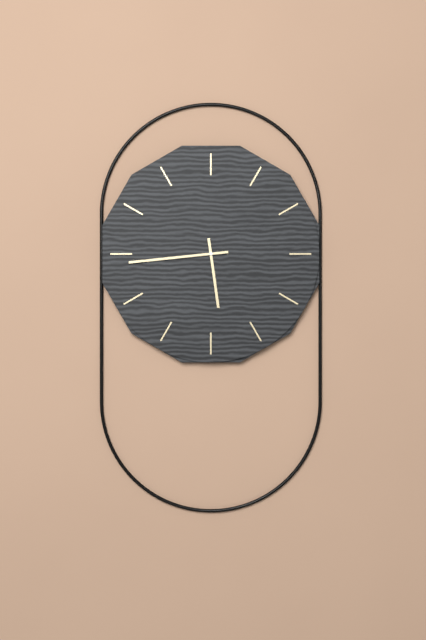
5:44
